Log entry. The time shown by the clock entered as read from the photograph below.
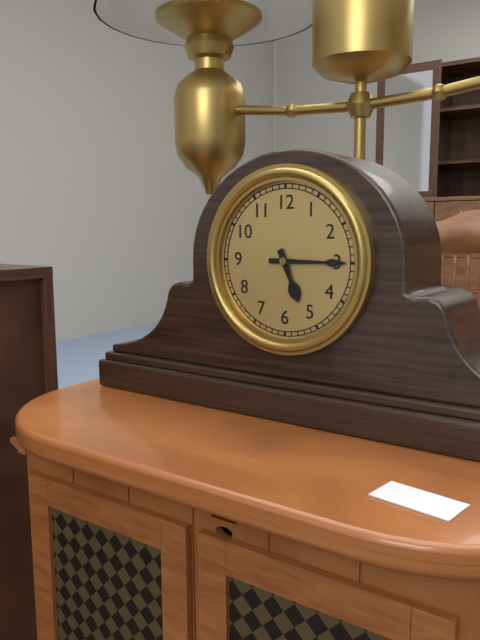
5:15
